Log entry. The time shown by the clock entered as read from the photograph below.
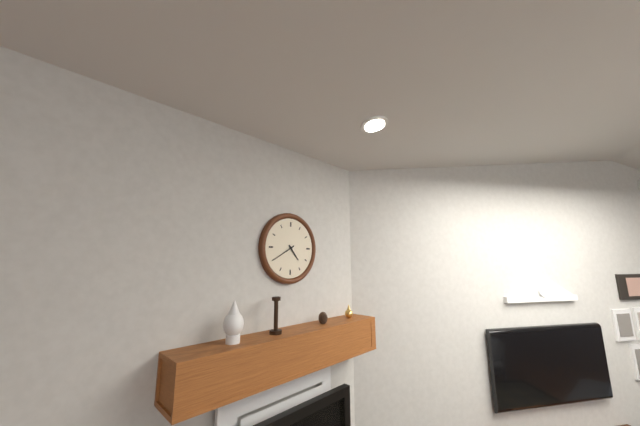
4:40
